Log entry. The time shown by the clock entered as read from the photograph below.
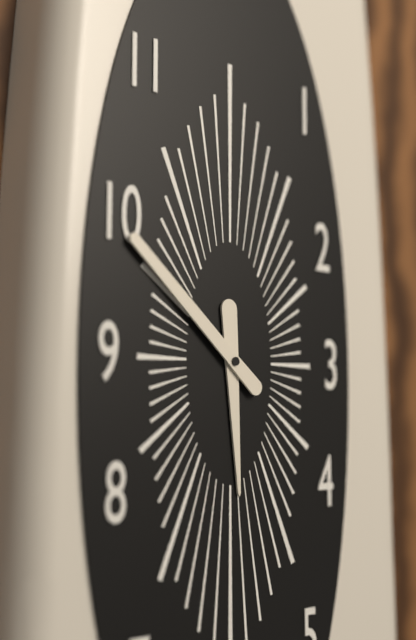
5:52
